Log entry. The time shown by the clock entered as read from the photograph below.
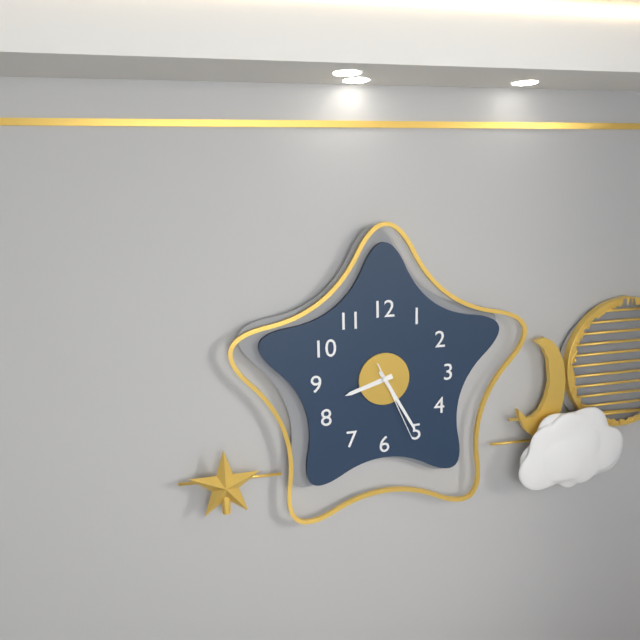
8:25:26
